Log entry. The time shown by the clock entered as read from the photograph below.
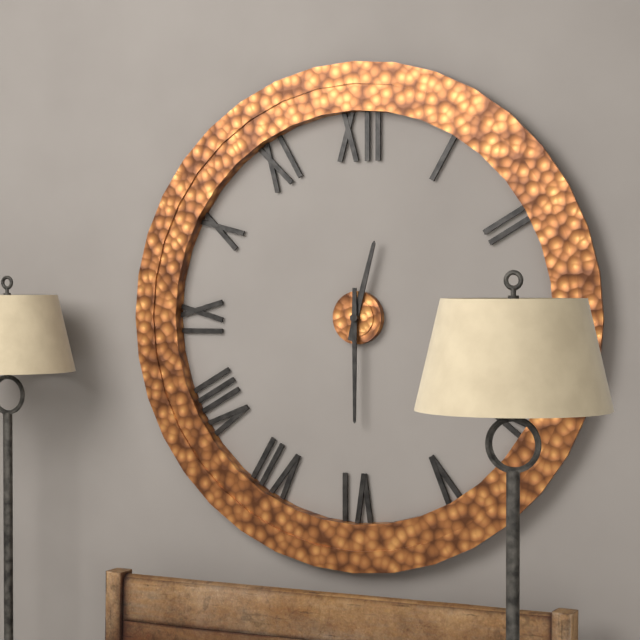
12:30
